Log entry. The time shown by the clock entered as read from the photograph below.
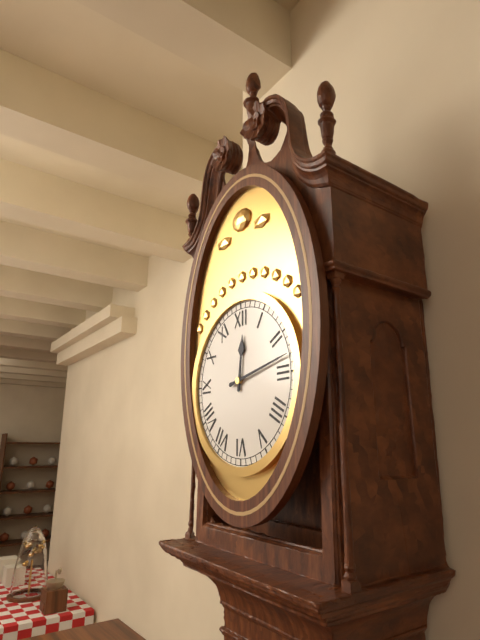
12:13
